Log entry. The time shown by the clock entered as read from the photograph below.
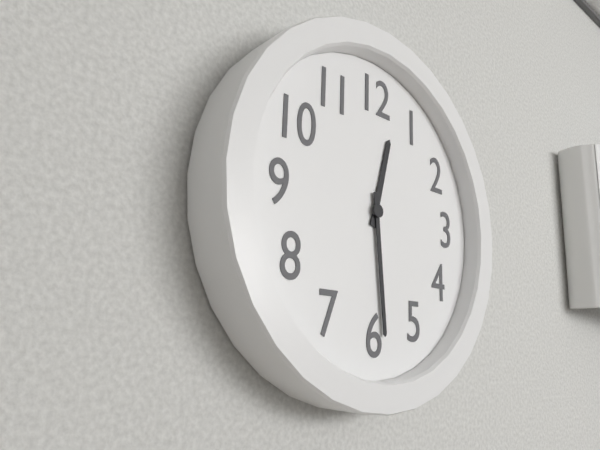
12:29
